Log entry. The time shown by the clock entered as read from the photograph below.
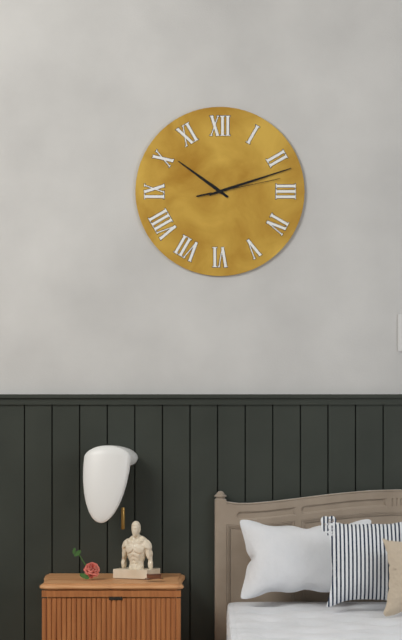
10:12:13
